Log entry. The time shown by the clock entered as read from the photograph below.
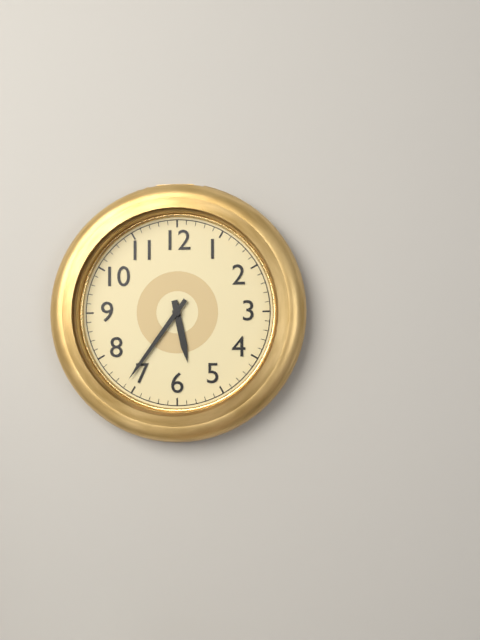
5:36
